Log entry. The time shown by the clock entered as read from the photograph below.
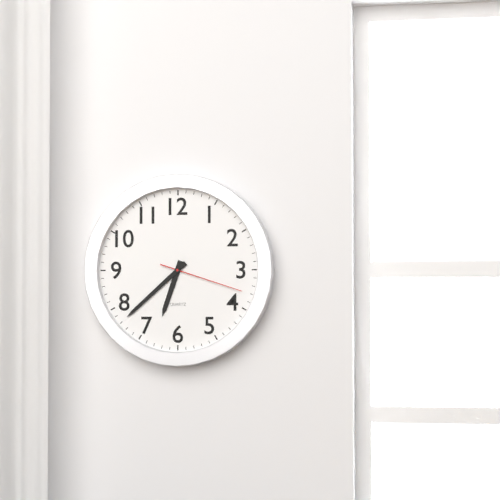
6:38:18
